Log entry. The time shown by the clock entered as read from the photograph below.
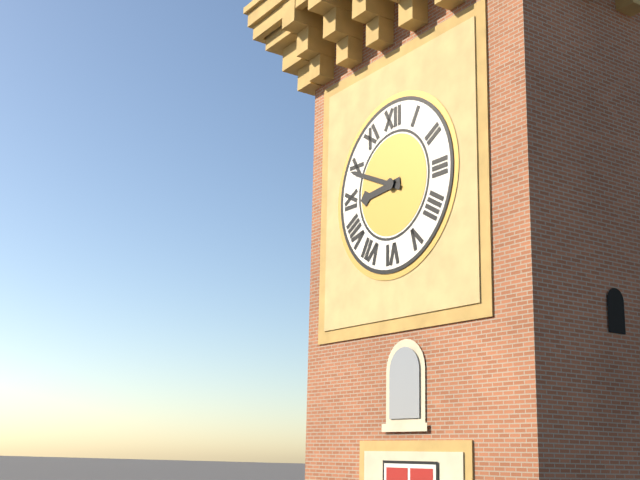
8:49
